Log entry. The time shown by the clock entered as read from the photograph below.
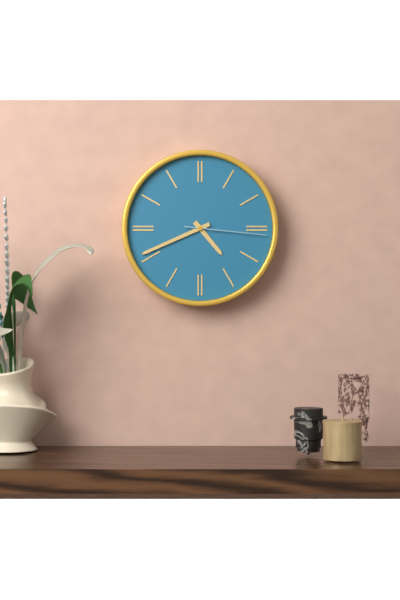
4:41:16
